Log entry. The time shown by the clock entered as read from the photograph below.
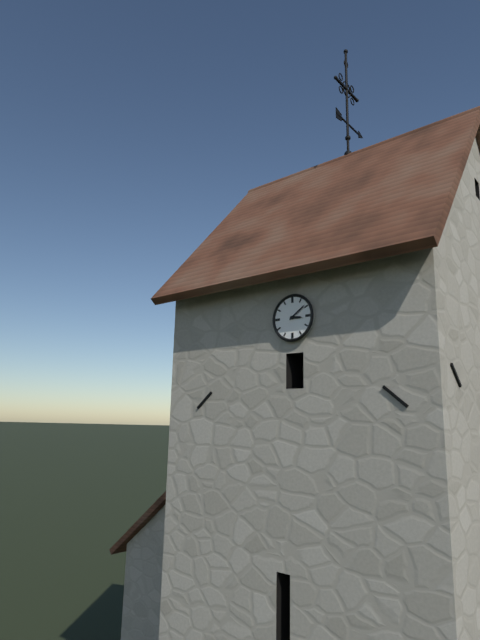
3:09
